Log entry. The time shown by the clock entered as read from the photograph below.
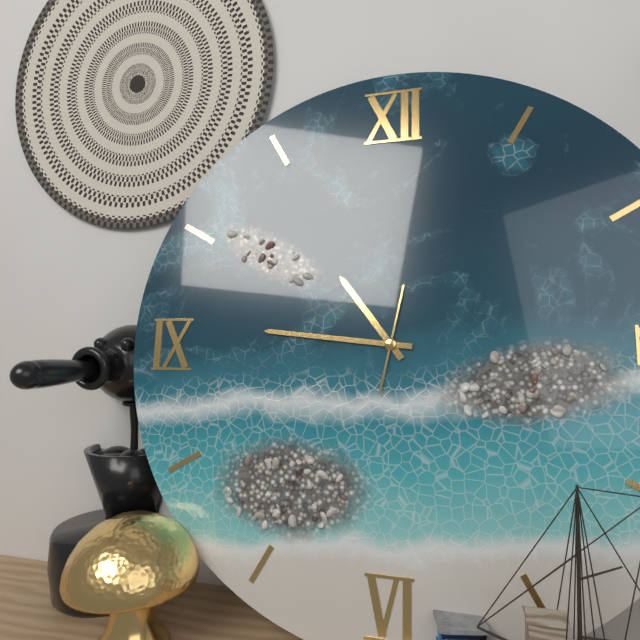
10:46:02
